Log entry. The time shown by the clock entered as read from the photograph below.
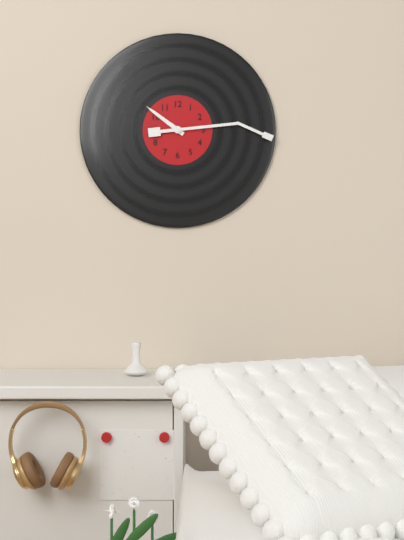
10:14
